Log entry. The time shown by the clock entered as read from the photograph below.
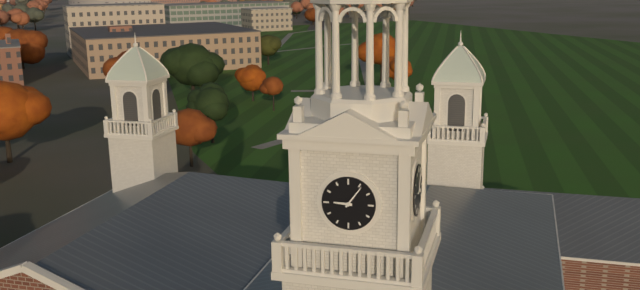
9:06
